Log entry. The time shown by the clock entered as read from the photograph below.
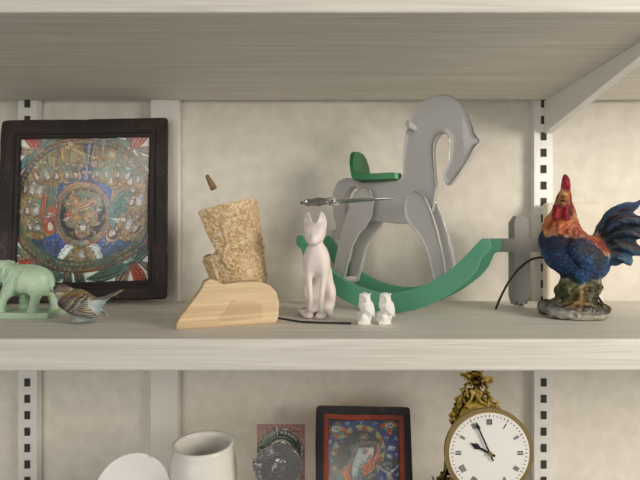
9:56
